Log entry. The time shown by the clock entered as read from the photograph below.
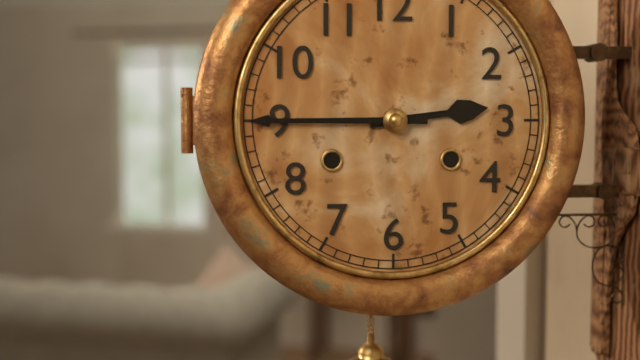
2:45
